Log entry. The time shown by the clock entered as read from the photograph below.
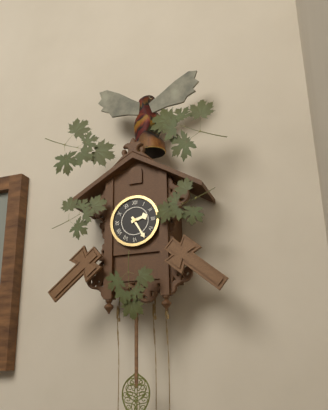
2:25
